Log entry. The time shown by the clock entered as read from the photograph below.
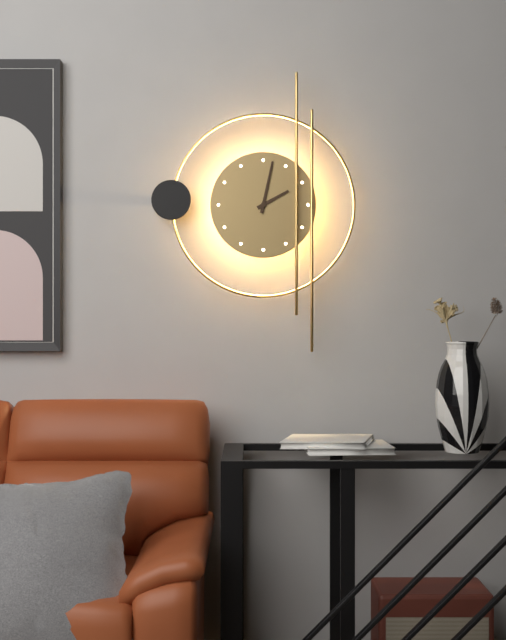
2:02
